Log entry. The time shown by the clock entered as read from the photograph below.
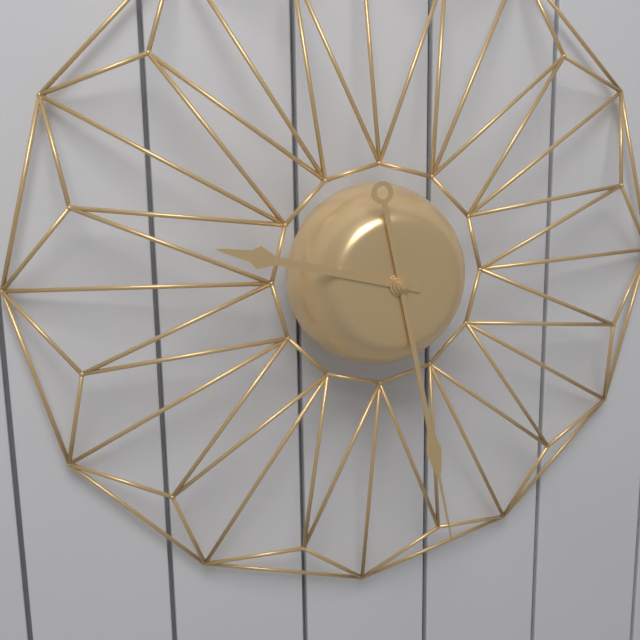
9:28
